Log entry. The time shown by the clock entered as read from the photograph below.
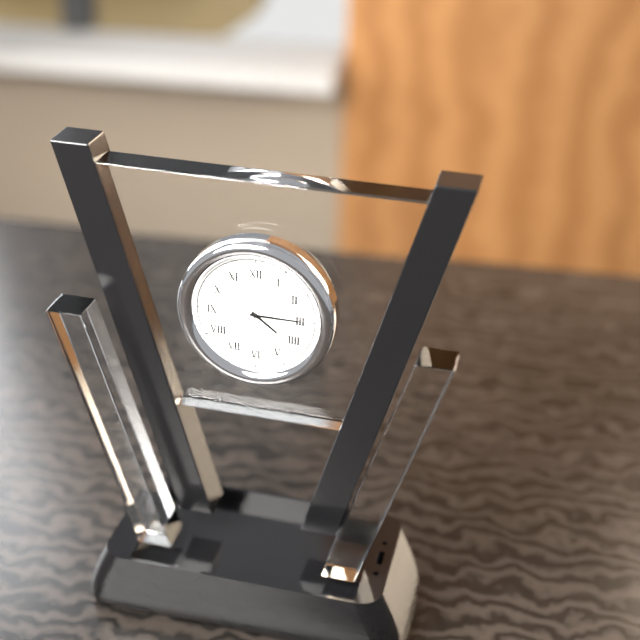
4:15:03
